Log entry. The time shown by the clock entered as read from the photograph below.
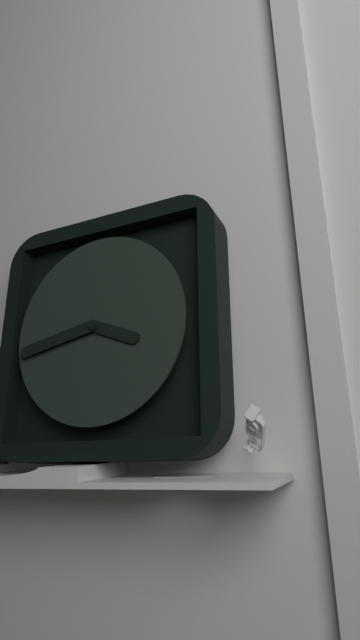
3:43
